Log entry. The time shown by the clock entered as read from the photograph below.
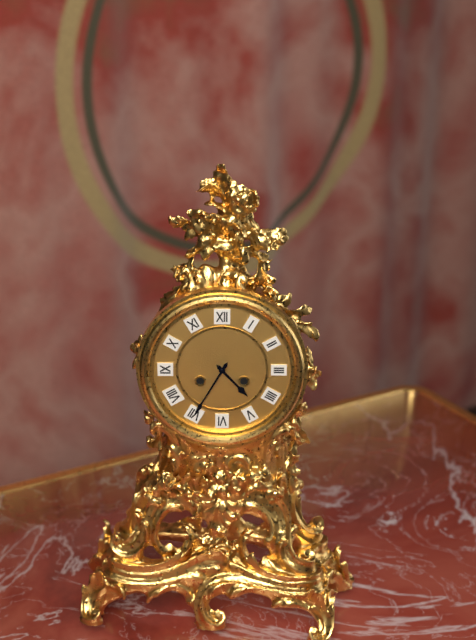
4:35
